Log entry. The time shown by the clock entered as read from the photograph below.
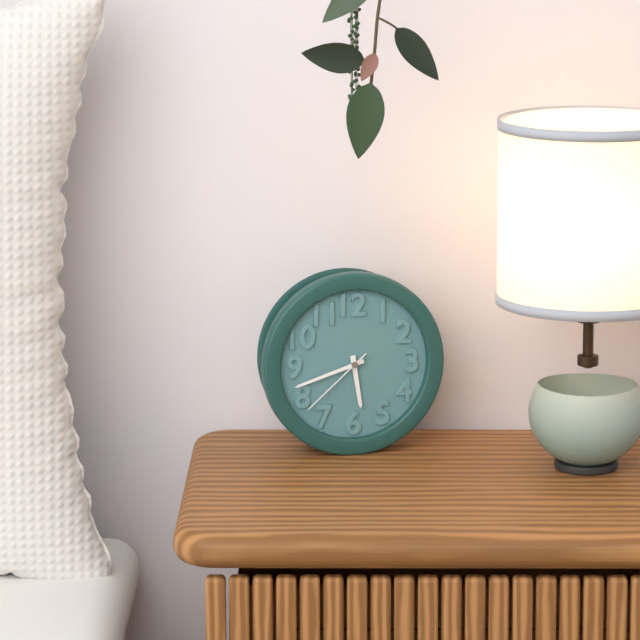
5:42:38
